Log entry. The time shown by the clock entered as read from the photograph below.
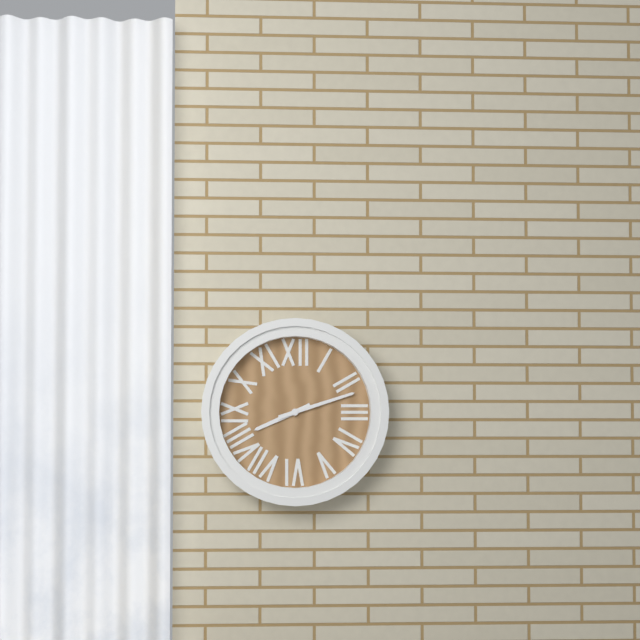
8:12
